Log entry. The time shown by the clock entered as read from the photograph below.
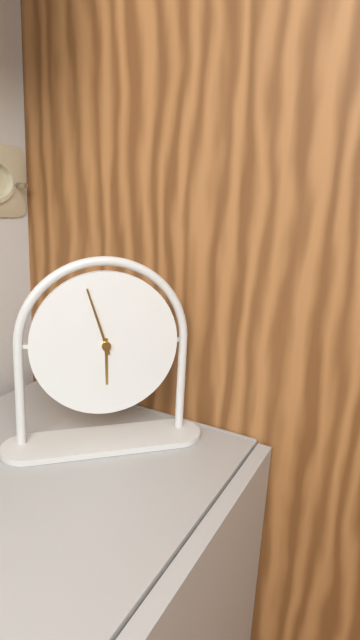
5:57
